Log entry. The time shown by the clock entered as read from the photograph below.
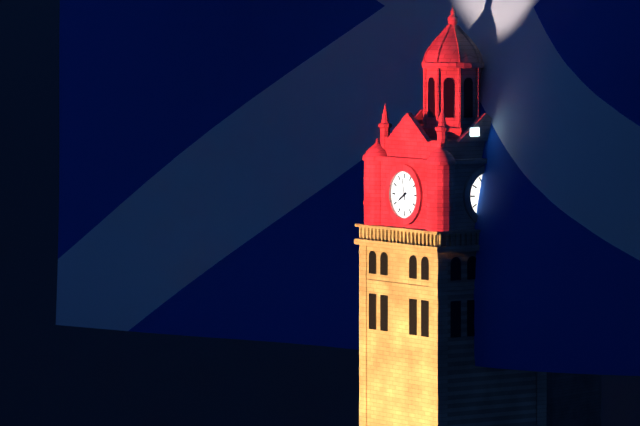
7:58
